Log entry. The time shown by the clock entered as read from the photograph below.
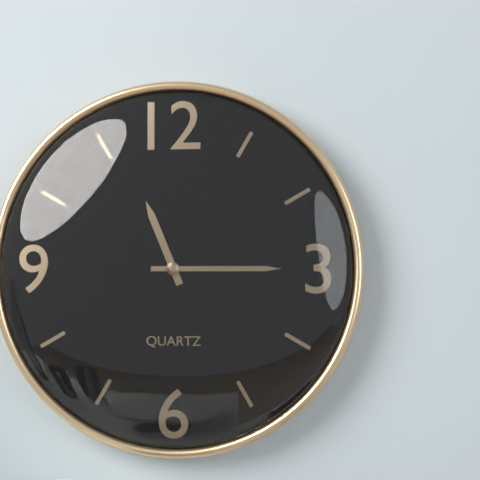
11:15
